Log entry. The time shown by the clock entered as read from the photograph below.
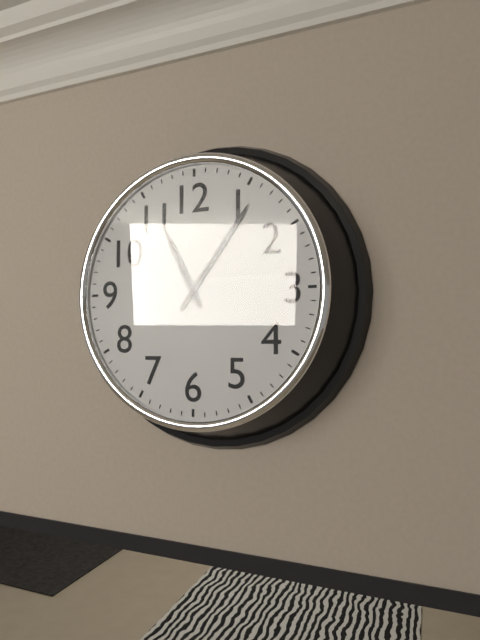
11:06
